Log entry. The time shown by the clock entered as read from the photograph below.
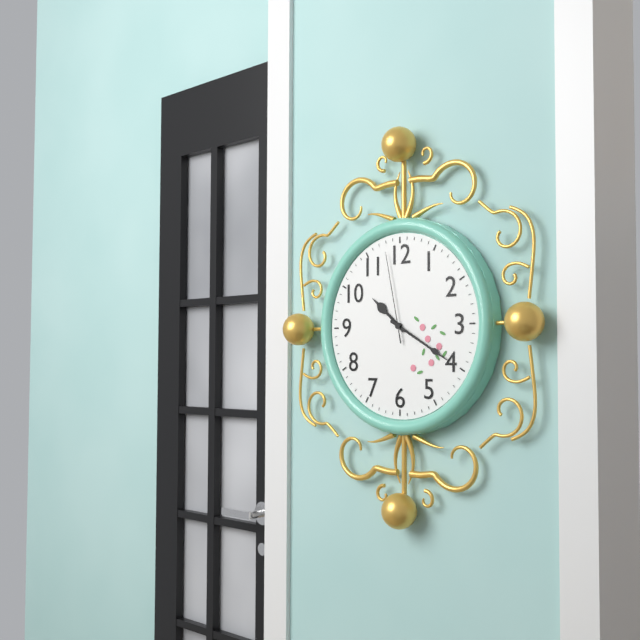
10:20:58
